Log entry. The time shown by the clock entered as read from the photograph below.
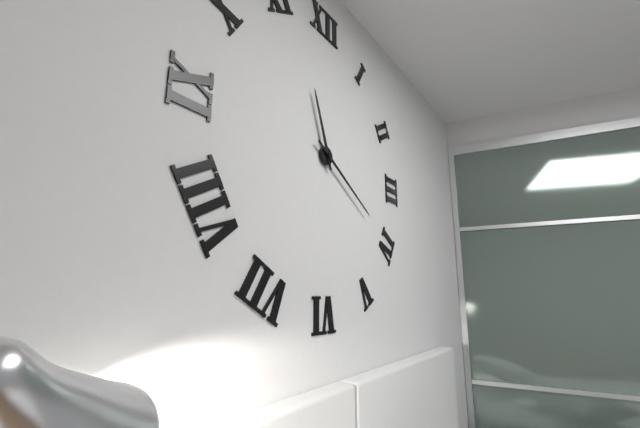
11:20
